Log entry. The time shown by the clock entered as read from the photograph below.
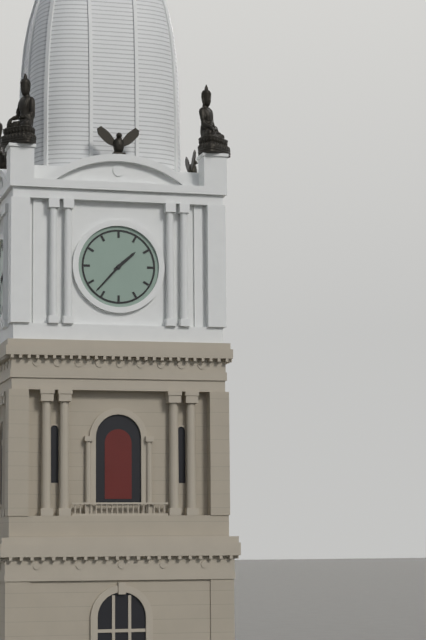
1:37
